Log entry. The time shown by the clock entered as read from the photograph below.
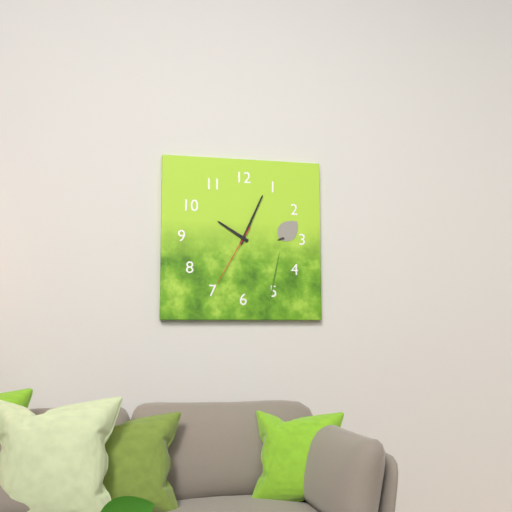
10:04:35
